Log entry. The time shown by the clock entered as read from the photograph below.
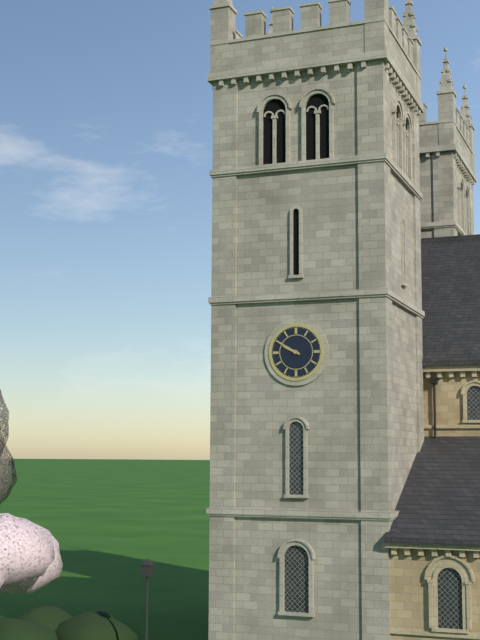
9:50
